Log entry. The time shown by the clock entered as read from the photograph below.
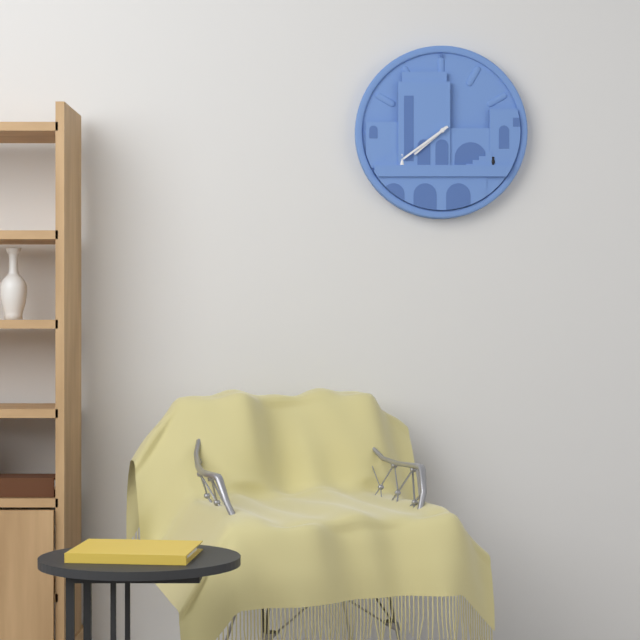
7:39
